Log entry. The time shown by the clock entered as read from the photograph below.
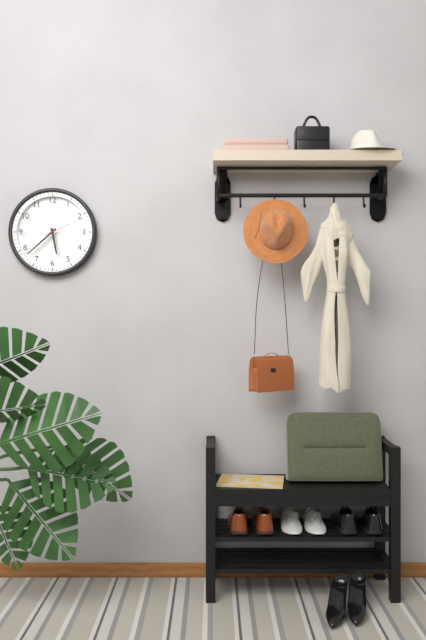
5:38
